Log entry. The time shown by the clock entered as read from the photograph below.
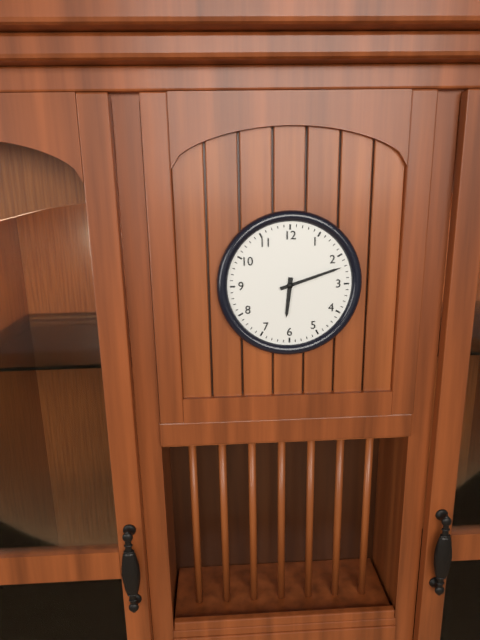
6:12
